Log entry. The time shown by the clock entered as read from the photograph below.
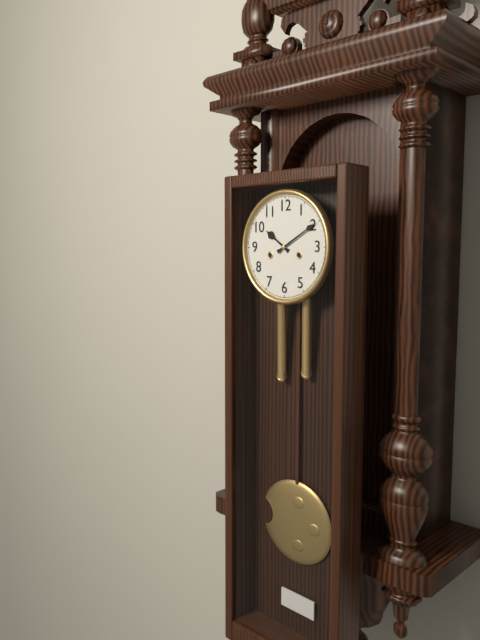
10:10
